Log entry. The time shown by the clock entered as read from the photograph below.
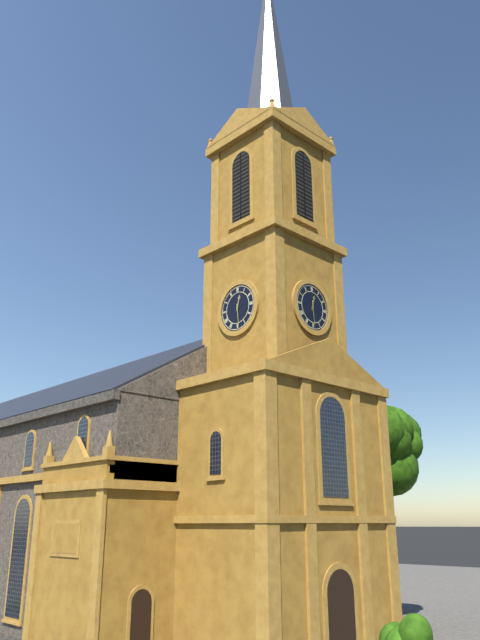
12:29
